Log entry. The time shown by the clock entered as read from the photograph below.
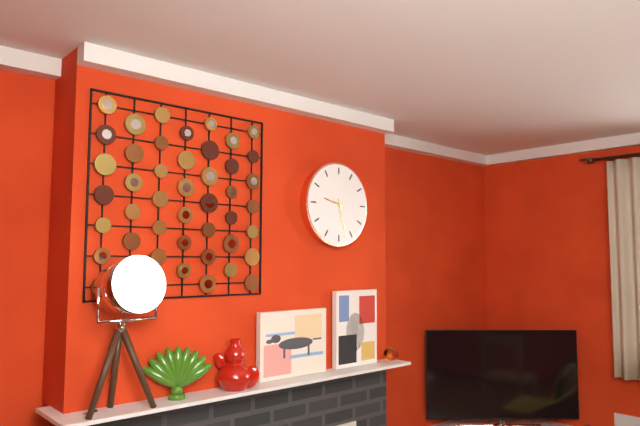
9:27
